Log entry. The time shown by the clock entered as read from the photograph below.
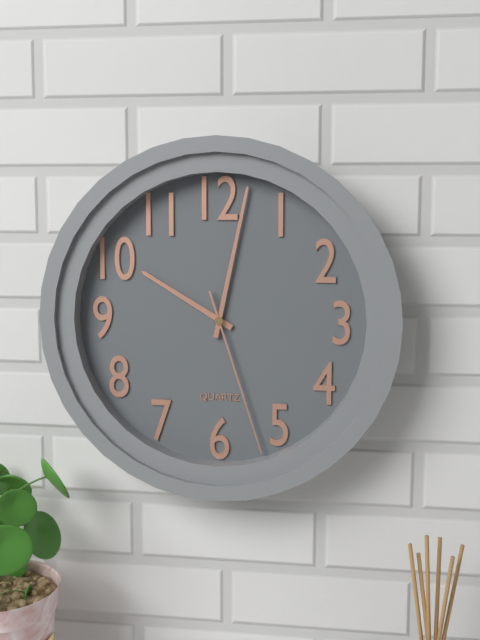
10:02:27
